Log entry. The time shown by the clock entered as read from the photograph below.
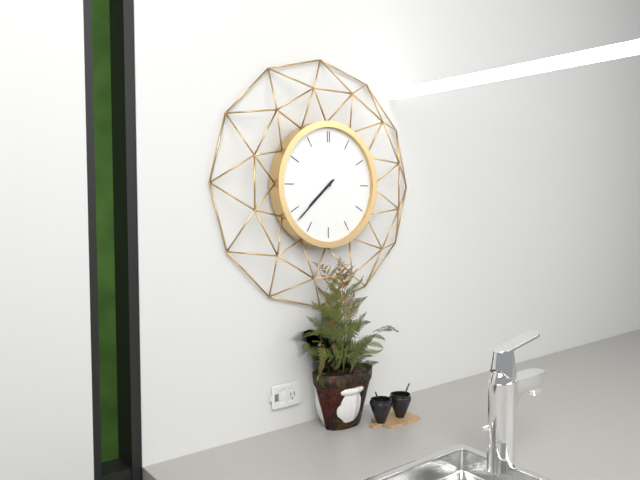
7:38
